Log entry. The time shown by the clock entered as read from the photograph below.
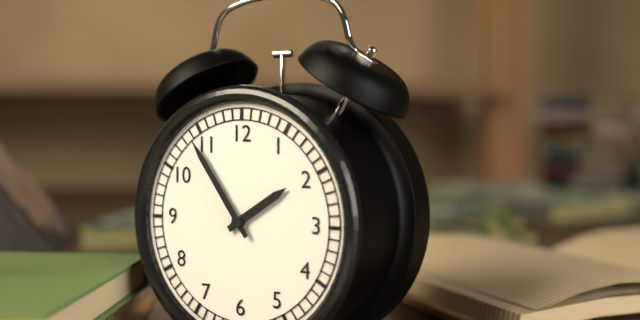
1:54
